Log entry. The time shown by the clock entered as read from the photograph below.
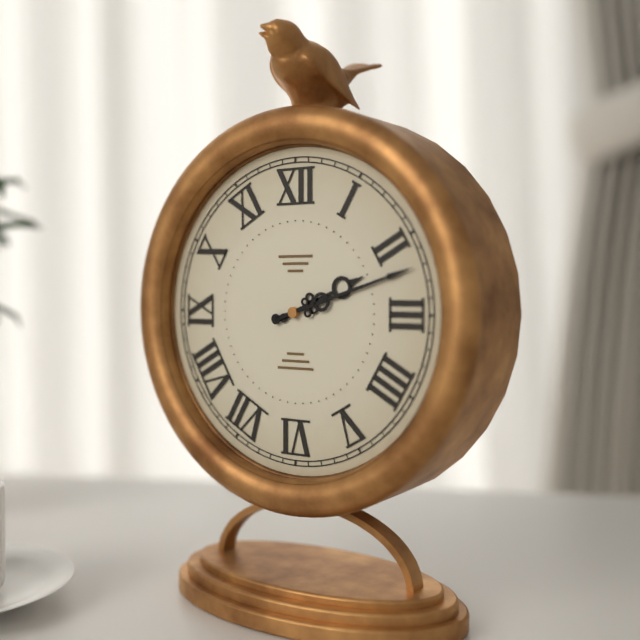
2:12
